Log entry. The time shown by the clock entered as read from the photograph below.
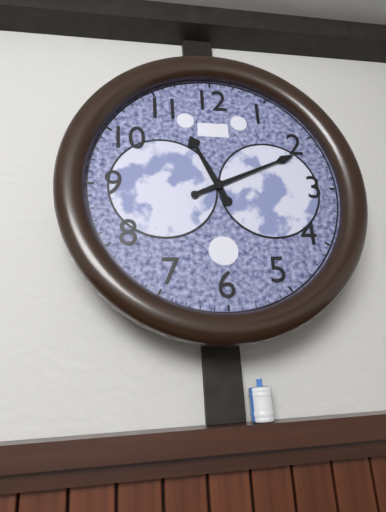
11:11
